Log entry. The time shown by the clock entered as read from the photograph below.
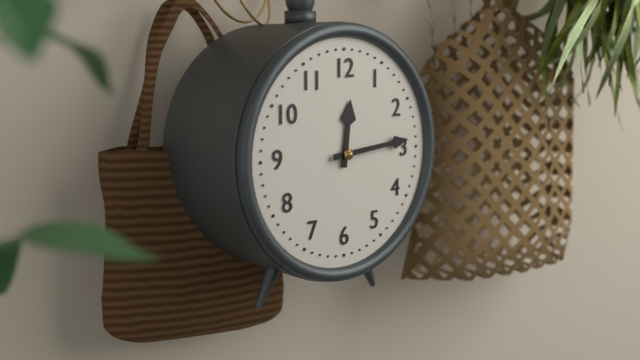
12:14
